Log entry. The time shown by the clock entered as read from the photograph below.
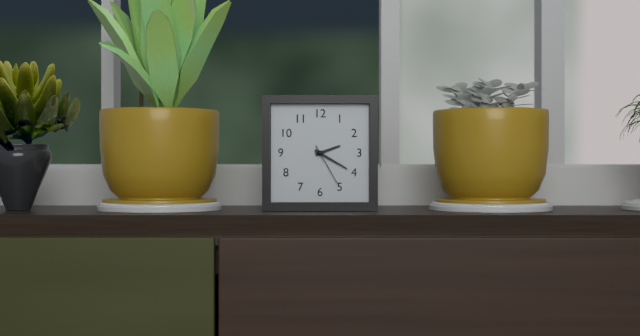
2:20
